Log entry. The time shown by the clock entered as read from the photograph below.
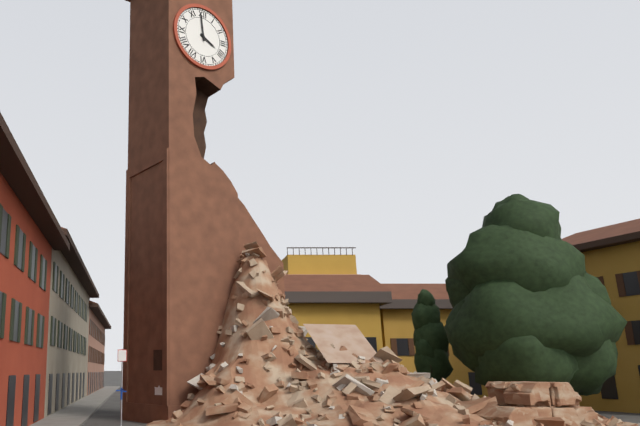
3:59
